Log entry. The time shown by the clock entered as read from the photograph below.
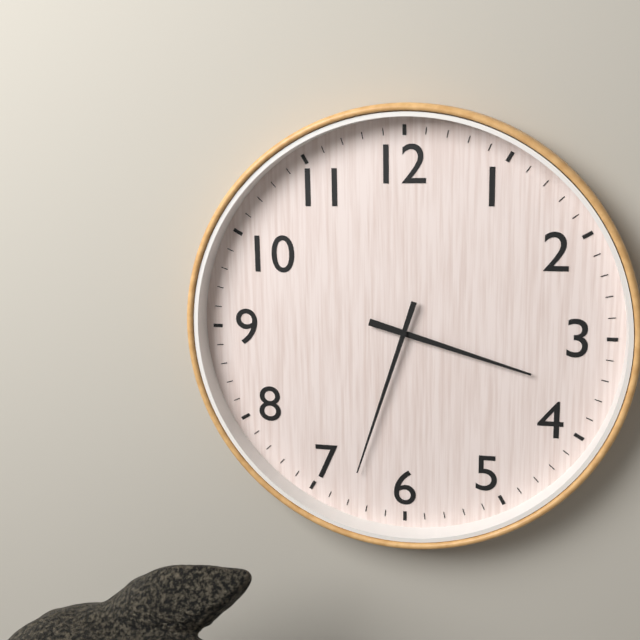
3:33
